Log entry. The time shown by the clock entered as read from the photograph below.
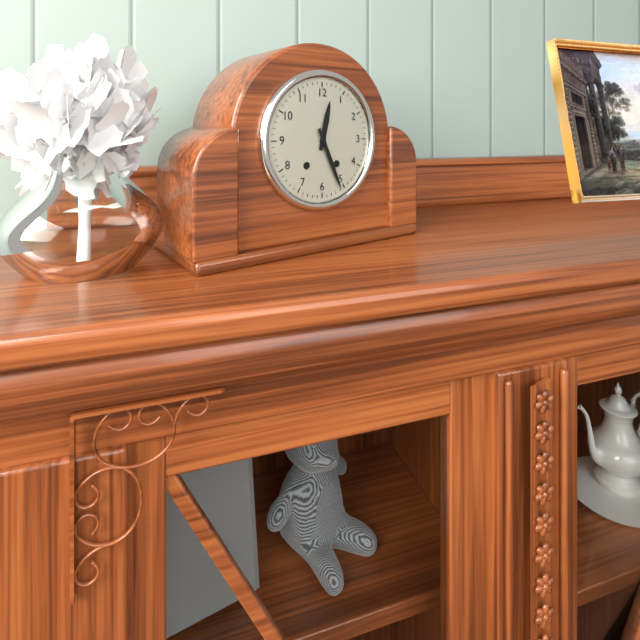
12:26
